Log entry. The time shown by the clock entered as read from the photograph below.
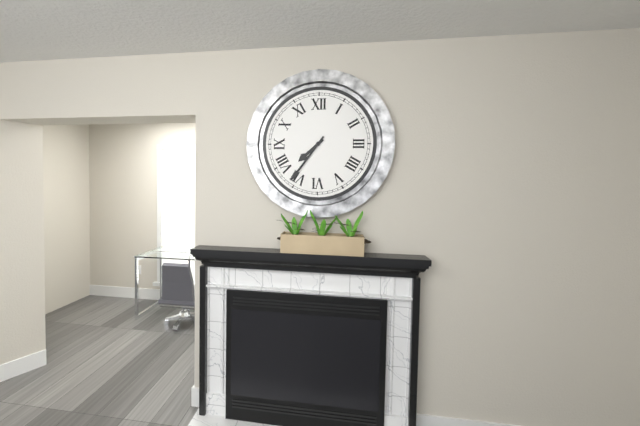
7:36
